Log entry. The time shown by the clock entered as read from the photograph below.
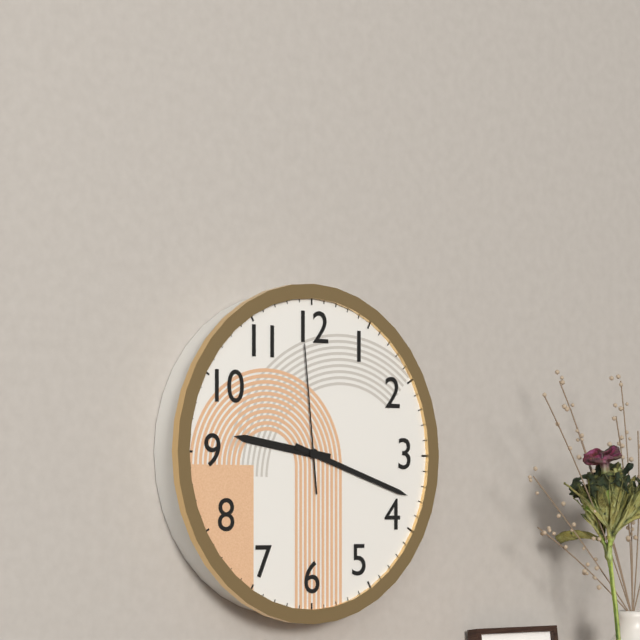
9:18:59
